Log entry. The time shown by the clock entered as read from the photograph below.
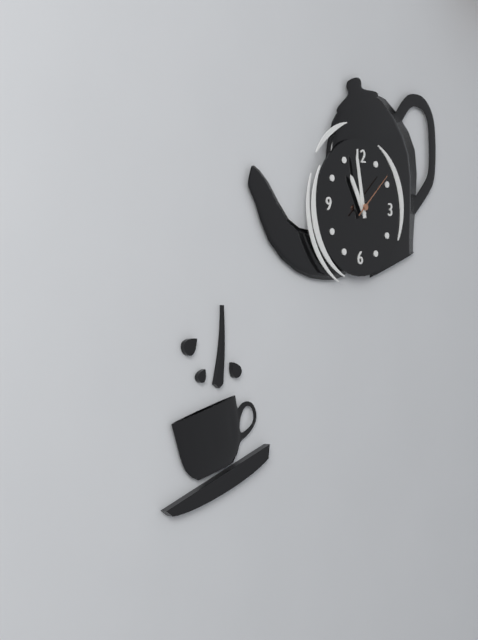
10:58
